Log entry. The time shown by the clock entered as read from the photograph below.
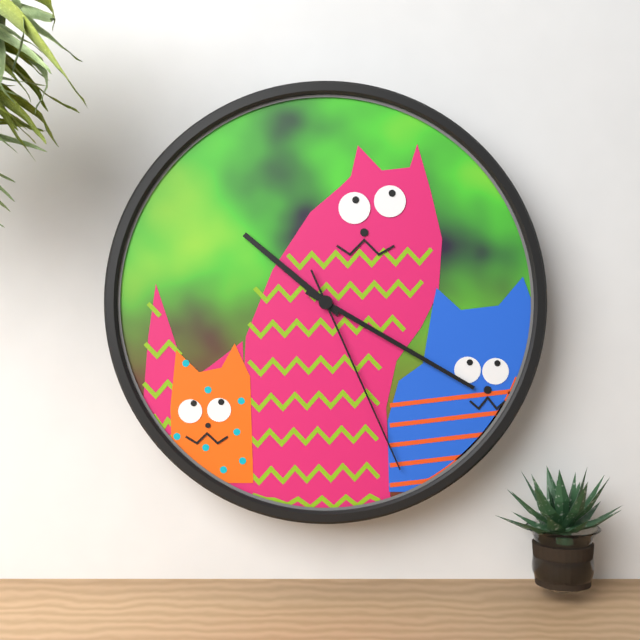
10:20:26
